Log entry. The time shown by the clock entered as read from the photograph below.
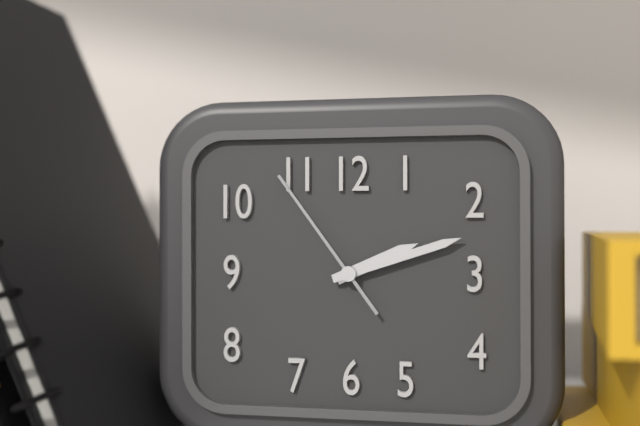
2:12:54
